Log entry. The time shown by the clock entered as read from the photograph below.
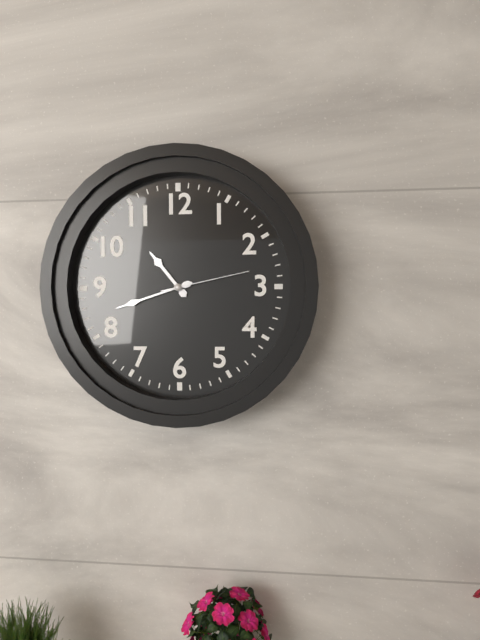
10:42:13
